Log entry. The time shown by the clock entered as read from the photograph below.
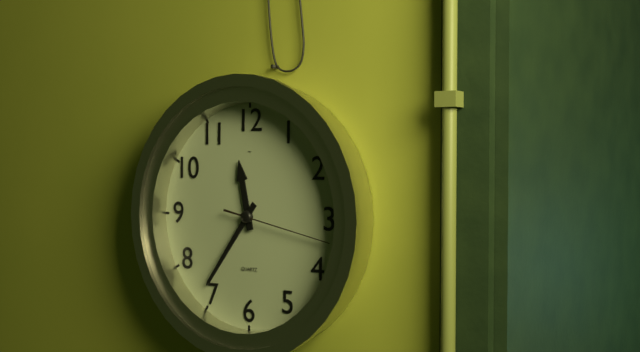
11:36:17
